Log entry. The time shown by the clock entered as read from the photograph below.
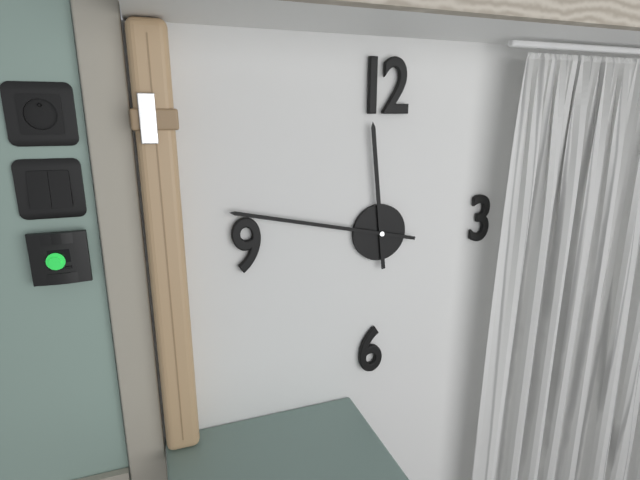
11:47
